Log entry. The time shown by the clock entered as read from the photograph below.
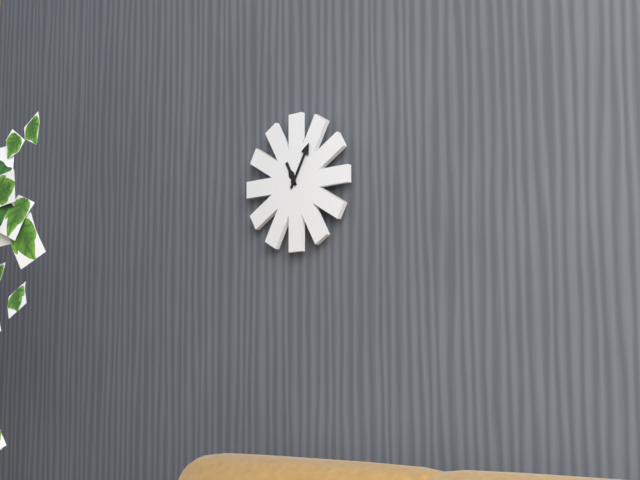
11:05
